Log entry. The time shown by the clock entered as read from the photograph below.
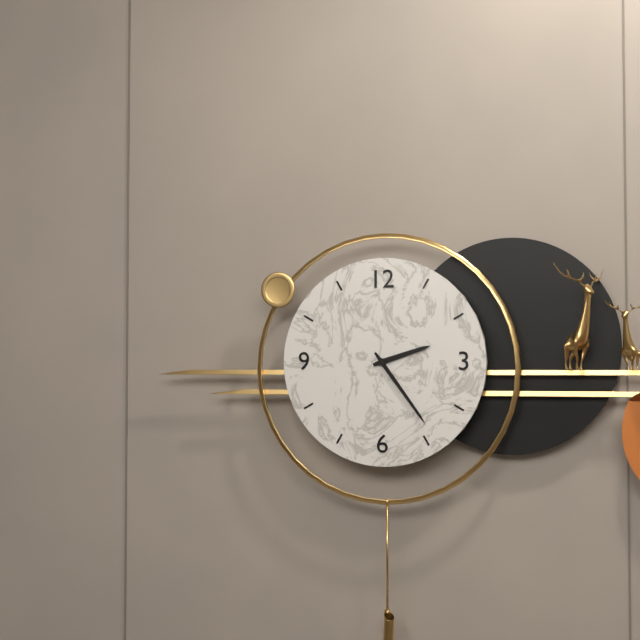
2:24
